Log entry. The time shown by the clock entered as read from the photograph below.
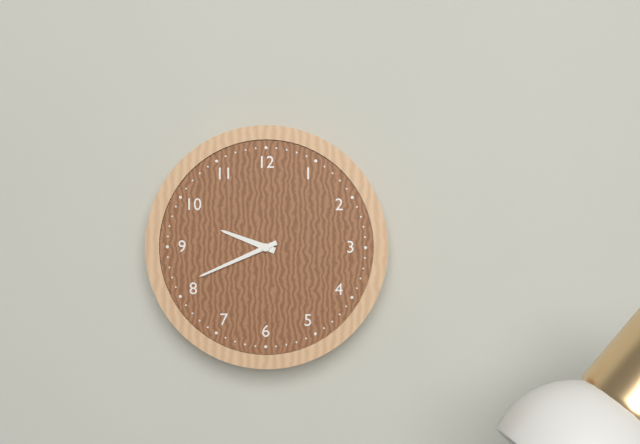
9:41
